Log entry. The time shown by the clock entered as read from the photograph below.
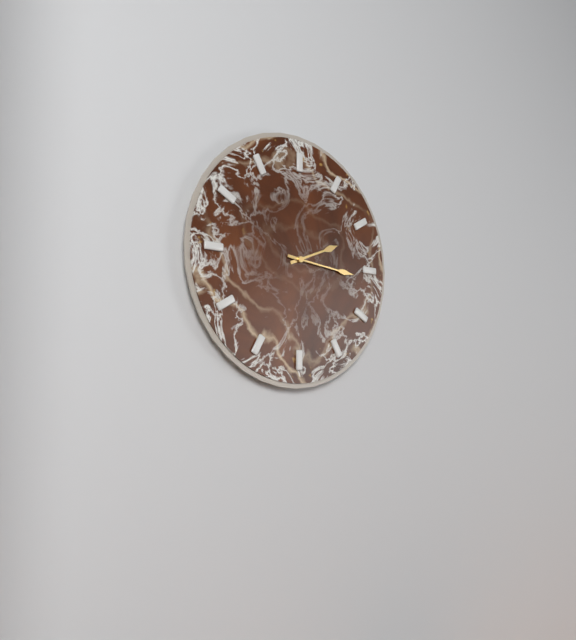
2:16
